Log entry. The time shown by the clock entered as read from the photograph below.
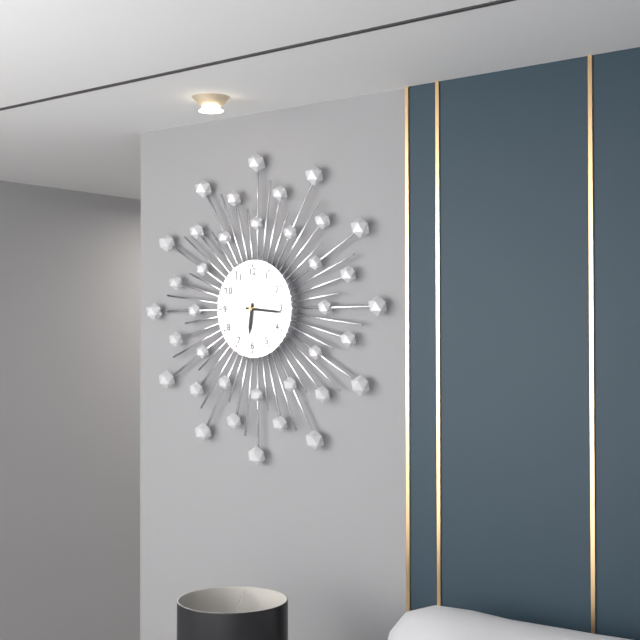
6:16
